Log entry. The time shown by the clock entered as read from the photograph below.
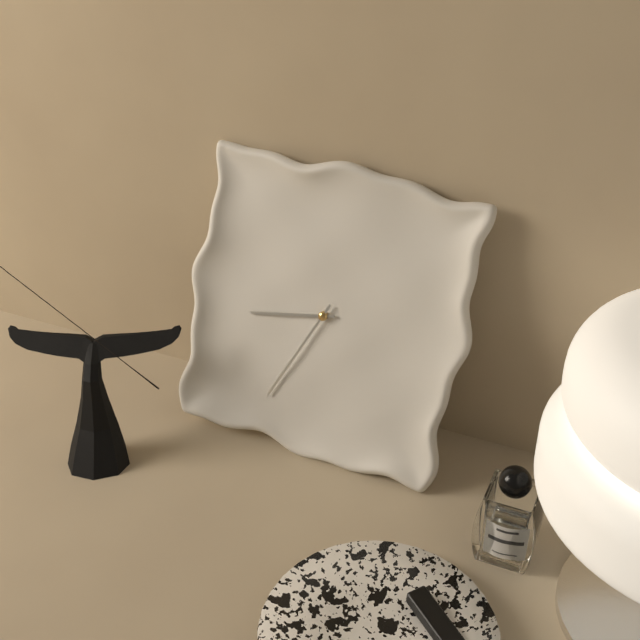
8:34
